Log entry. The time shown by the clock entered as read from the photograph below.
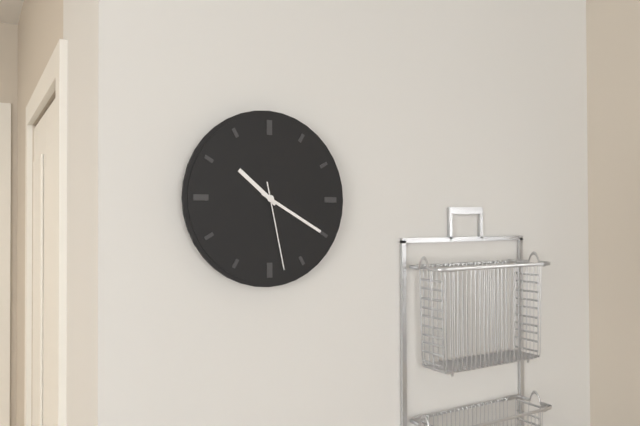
10:20:28
